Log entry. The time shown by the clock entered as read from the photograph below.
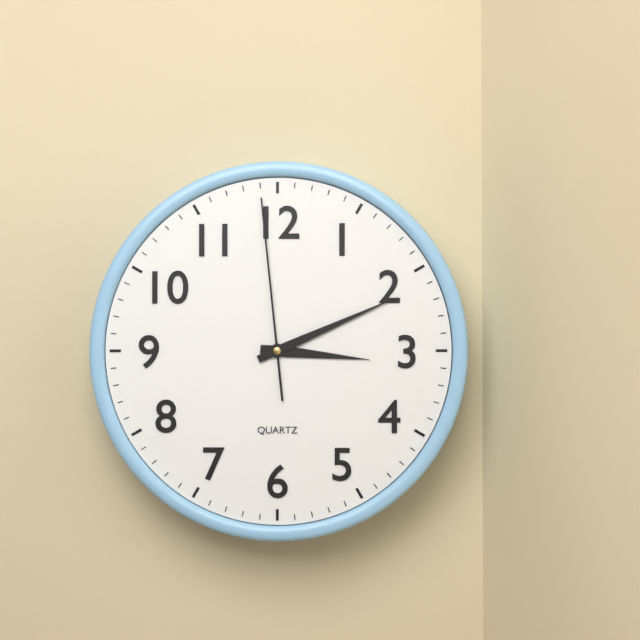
3:11:59
